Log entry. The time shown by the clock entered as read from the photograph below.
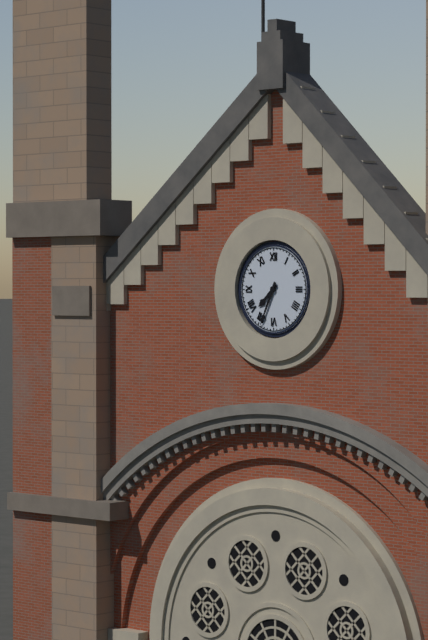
7:34
